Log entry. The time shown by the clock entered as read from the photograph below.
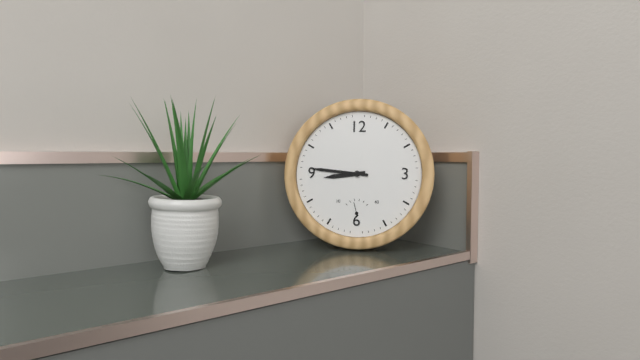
8:46
